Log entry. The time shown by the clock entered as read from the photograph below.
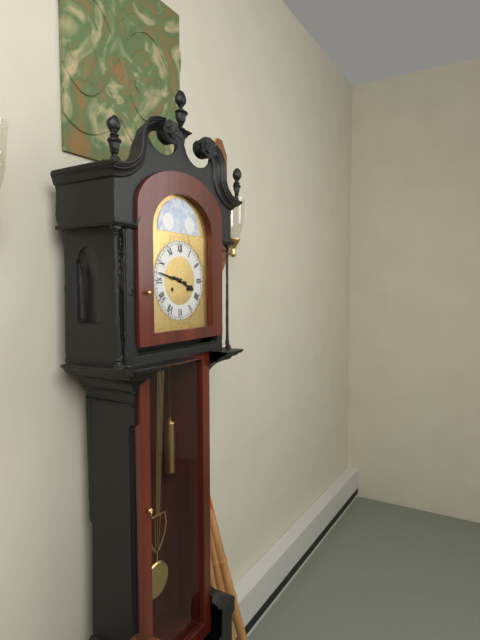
3:47
